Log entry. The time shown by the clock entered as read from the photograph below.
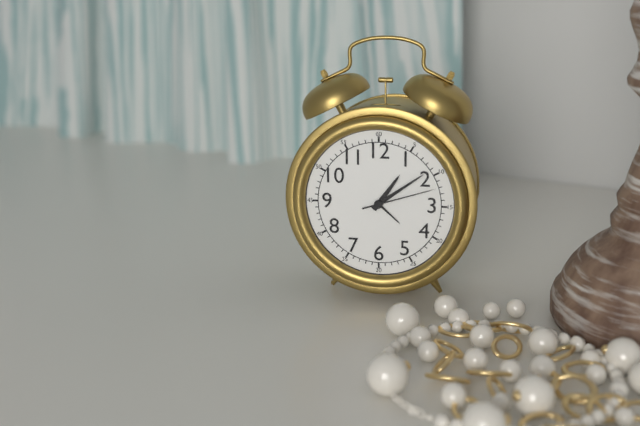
1:09:12
